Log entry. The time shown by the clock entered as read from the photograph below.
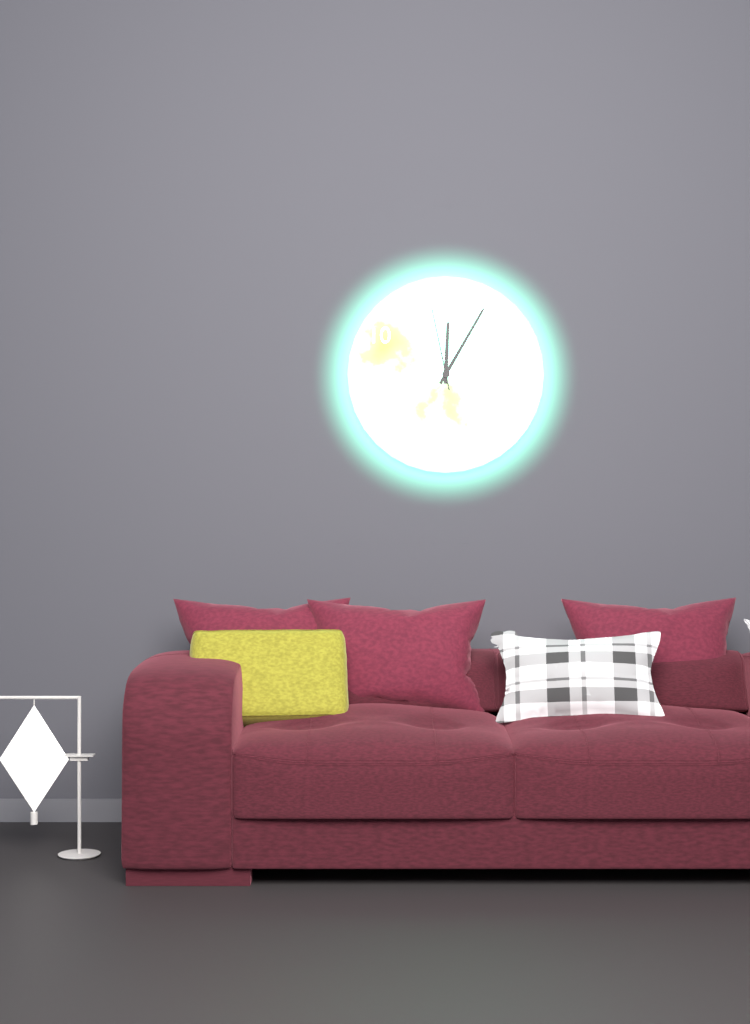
12:05:58
